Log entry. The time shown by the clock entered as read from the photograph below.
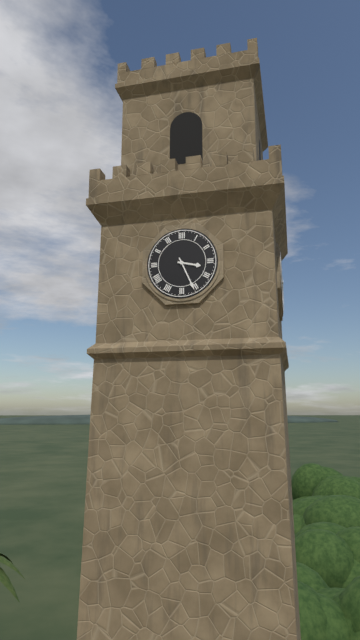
3:26
